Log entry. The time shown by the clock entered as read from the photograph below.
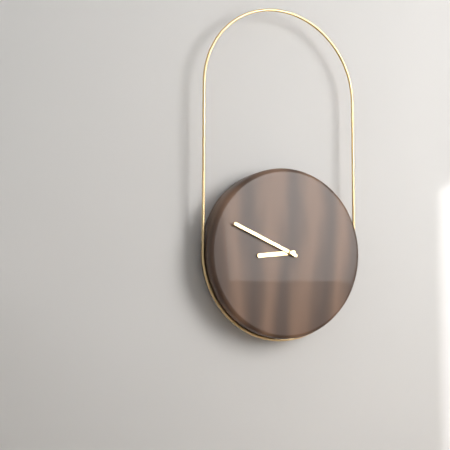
8:49
